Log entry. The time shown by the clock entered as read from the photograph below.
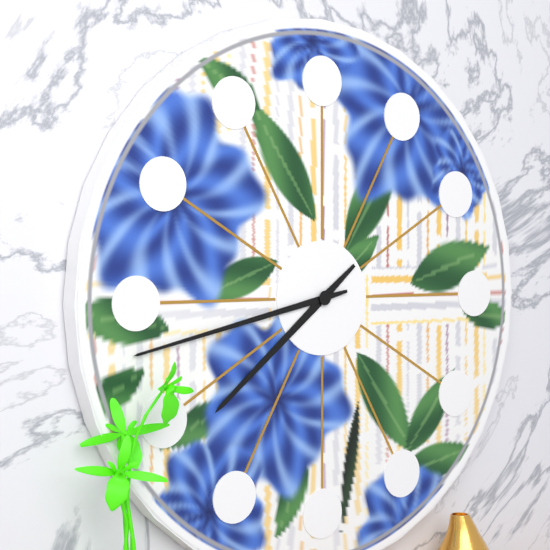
7:43
